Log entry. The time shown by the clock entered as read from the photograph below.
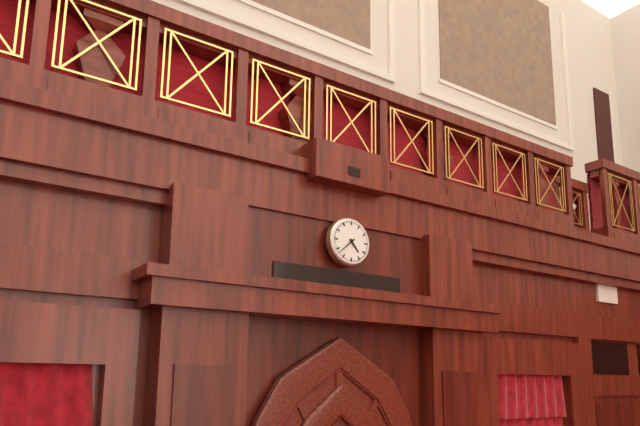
4:38
